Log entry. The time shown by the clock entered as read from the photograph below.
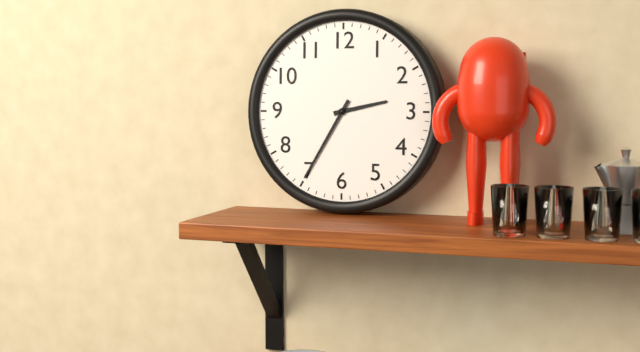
2:35
